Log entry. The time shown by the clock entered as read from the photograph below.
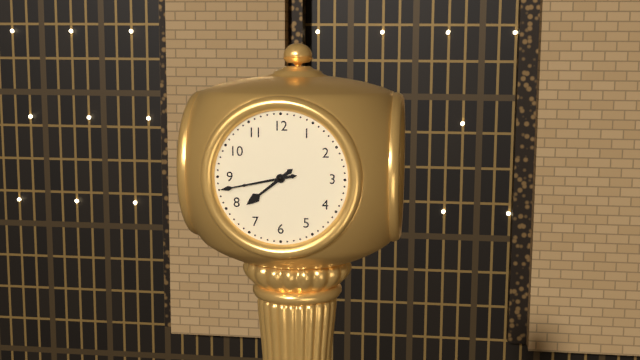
7:43
